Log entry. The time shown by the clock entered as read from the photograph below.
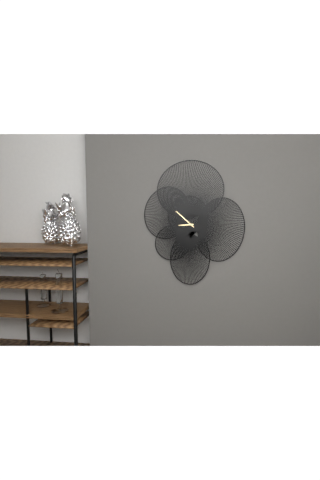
8:52
